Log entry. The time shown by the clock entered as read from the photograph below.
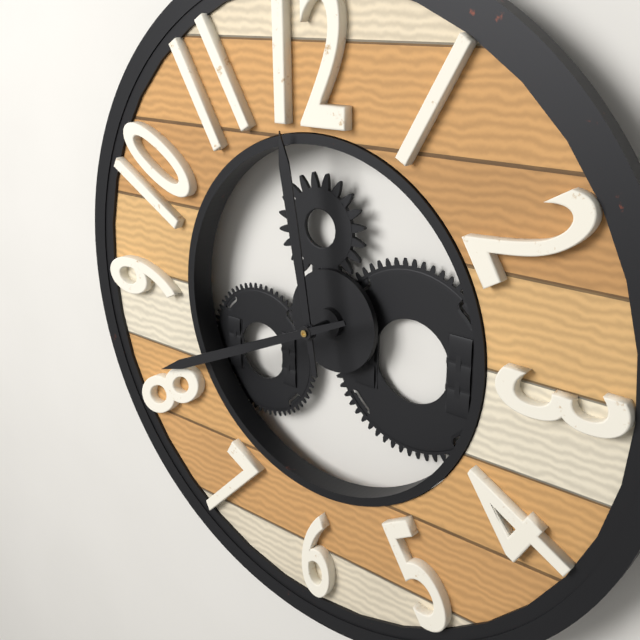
11:41
